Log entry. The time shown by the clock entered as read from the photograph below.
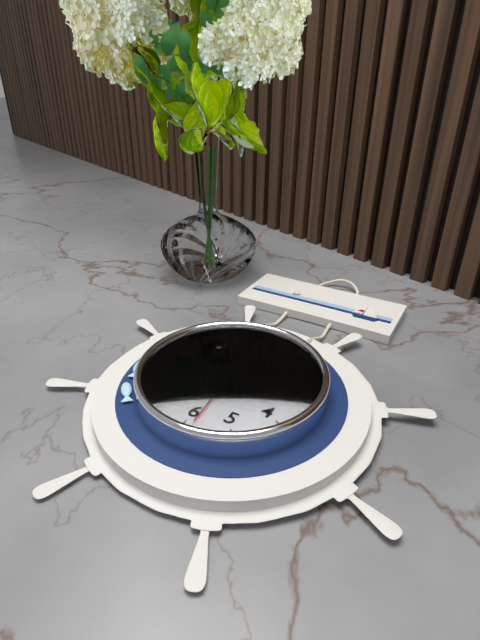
3:43:29
